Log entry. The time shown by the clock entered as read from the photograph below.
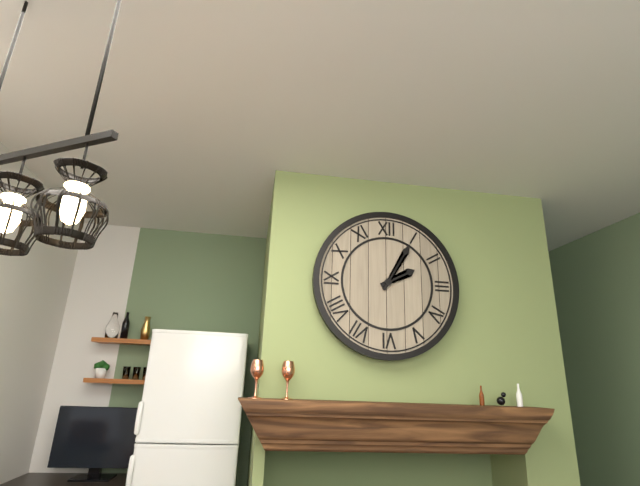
2:05
